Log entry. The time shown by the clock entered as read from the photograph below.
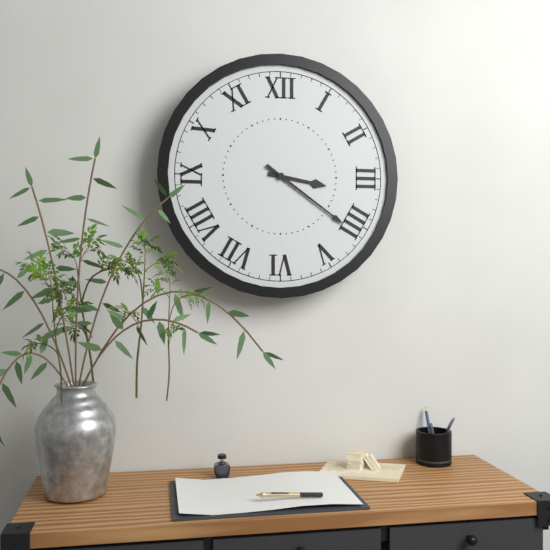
3:21
